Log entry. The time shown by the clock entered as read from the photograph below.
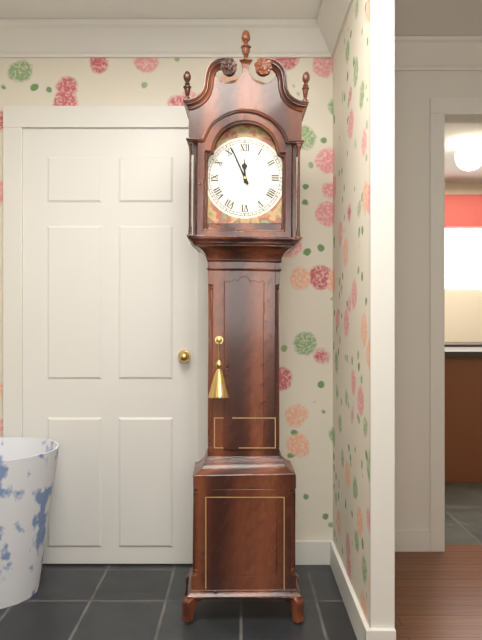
11:56
